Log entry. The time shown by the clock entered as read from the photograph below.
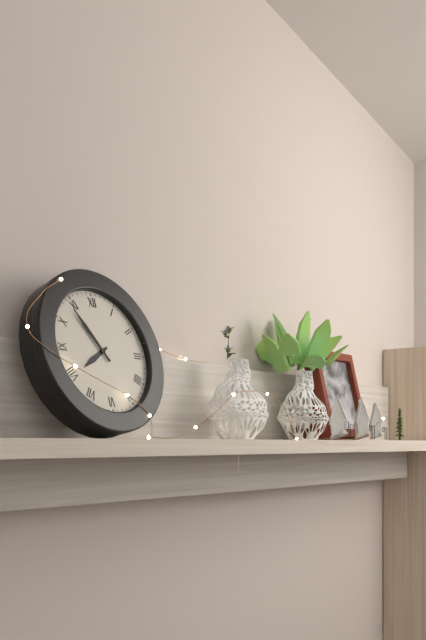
7:54
